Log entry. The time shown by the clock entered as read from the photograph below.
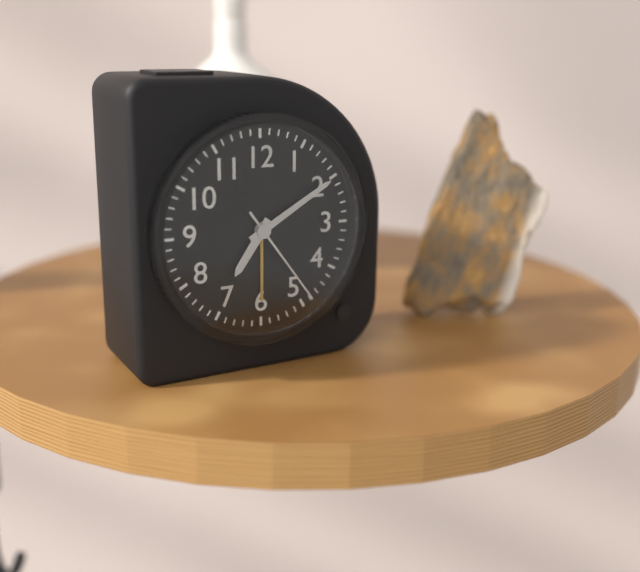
7:10:24
